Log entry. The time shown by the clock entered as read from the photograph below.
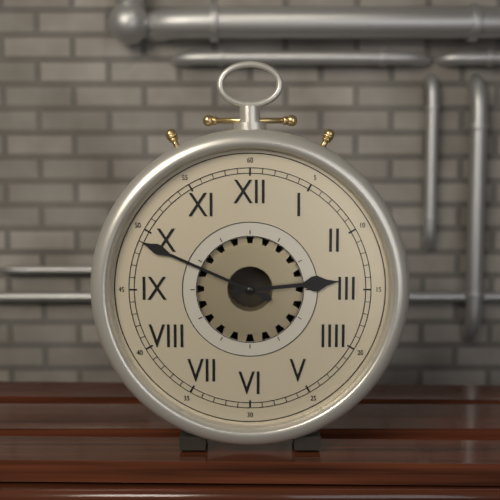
2:49
